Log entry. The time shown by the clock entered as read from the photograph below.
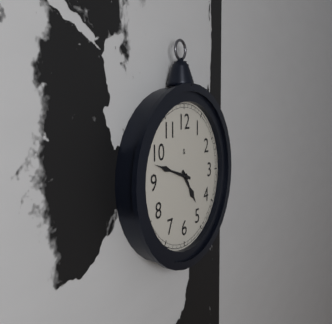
4:48
